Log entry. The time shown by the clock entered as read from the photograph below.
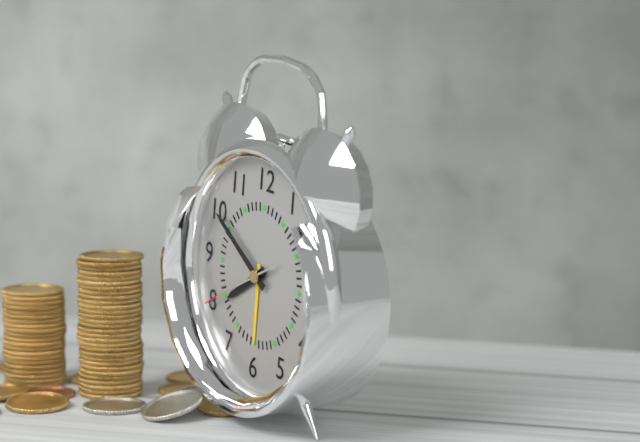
7:50:40
